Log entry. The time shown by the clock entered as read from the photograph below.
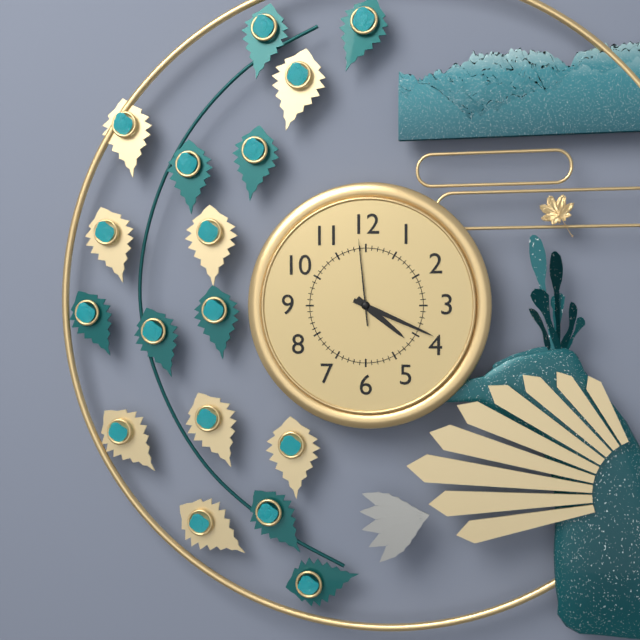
4:19:59
